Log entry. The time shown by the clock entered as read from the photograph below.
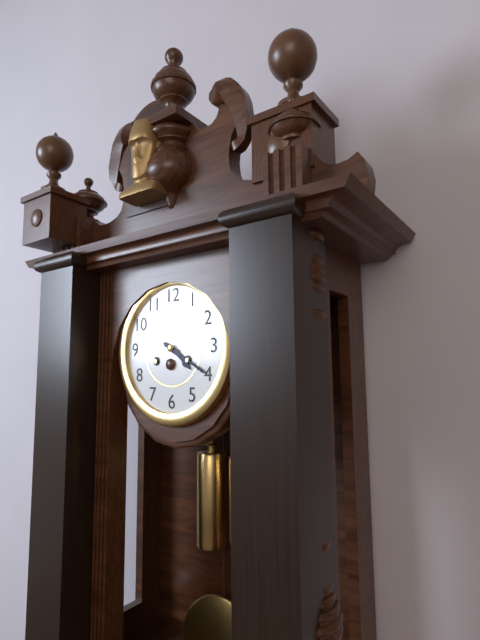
4:20
